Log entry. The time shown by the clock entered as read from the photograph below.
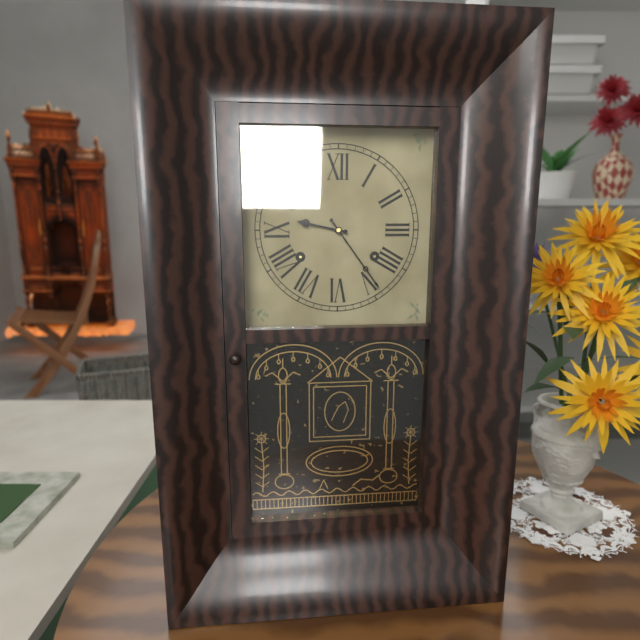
9:24
